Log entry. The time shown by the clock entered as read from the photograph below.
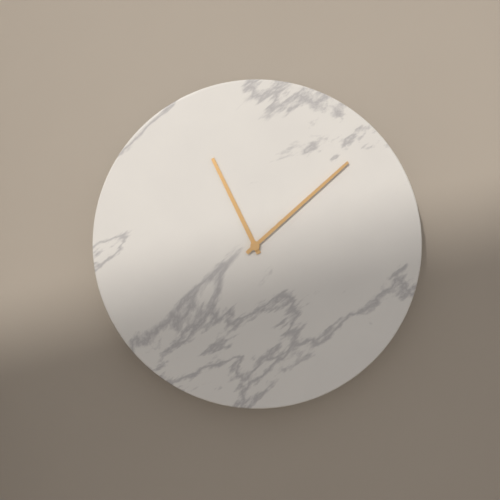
11:08
